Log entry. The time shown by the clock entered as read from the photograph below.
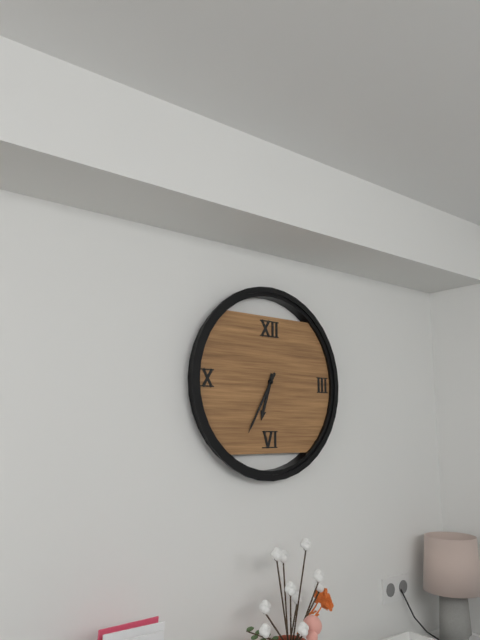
6:35
